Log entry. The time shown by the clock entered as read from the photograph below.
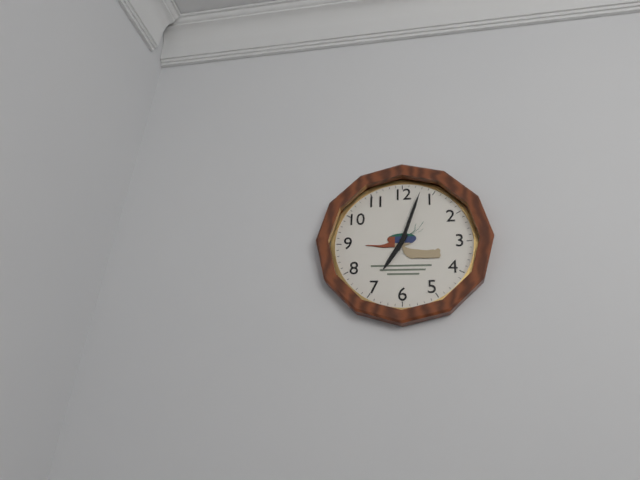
7:03
